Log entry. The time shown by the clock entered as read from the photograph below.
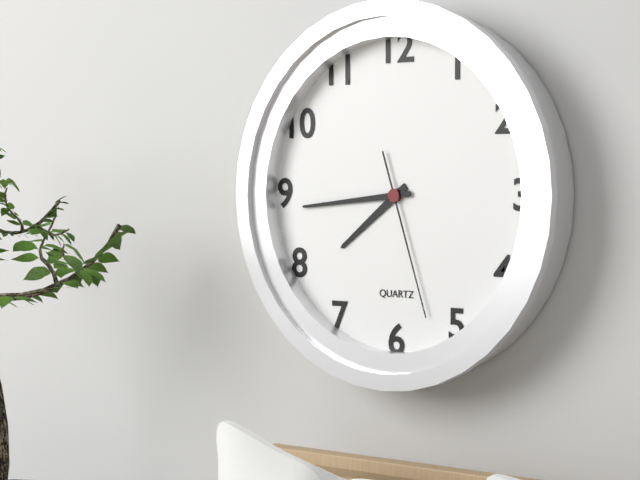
7:44:27
